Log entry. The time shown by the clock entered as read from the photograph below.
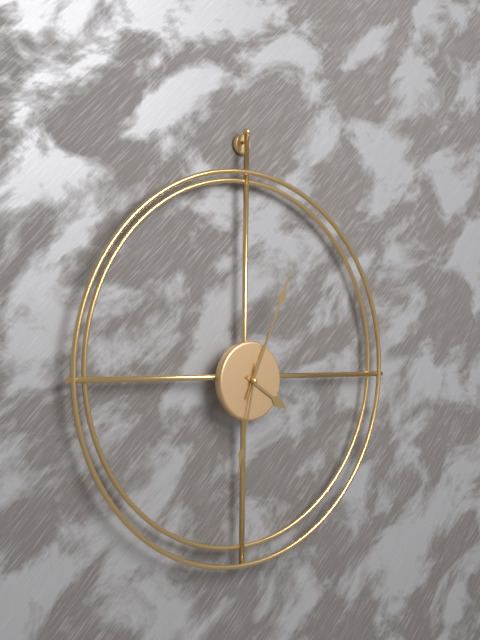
4:04:32
